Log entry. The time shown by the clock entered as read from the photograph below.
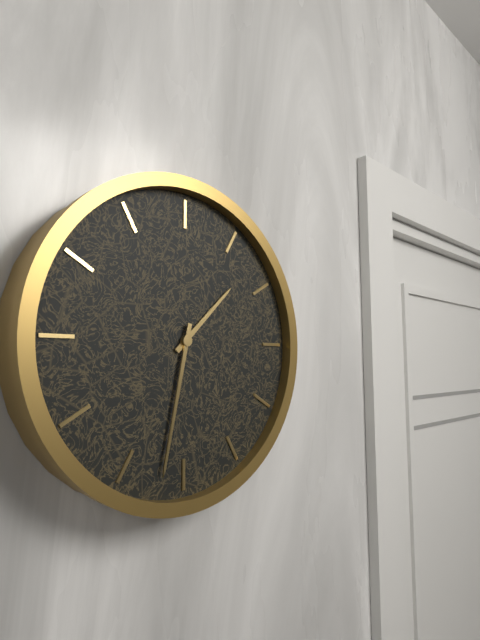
1:32
